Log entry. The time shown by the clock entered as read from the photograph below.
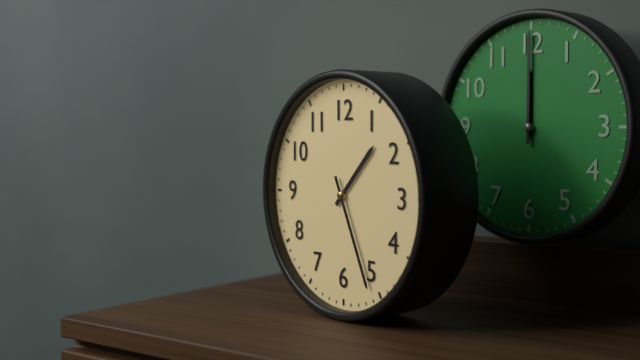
1:26
